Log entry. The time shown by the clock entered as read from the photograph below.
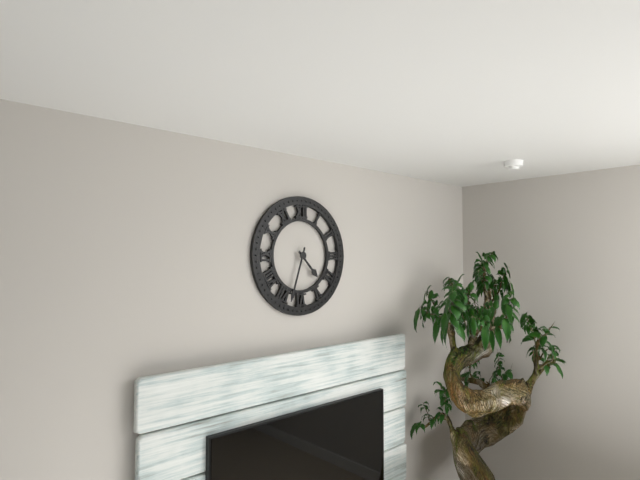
4:33
